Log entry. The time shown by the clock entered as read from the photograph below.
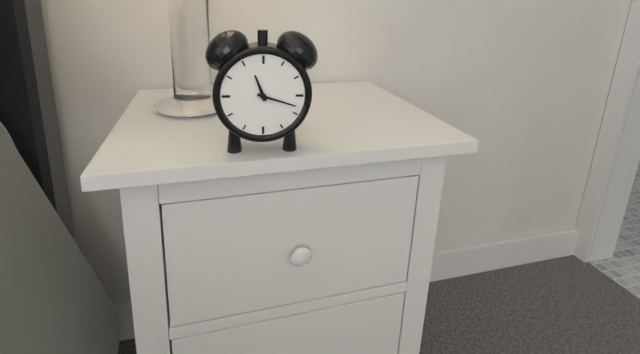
11:18
